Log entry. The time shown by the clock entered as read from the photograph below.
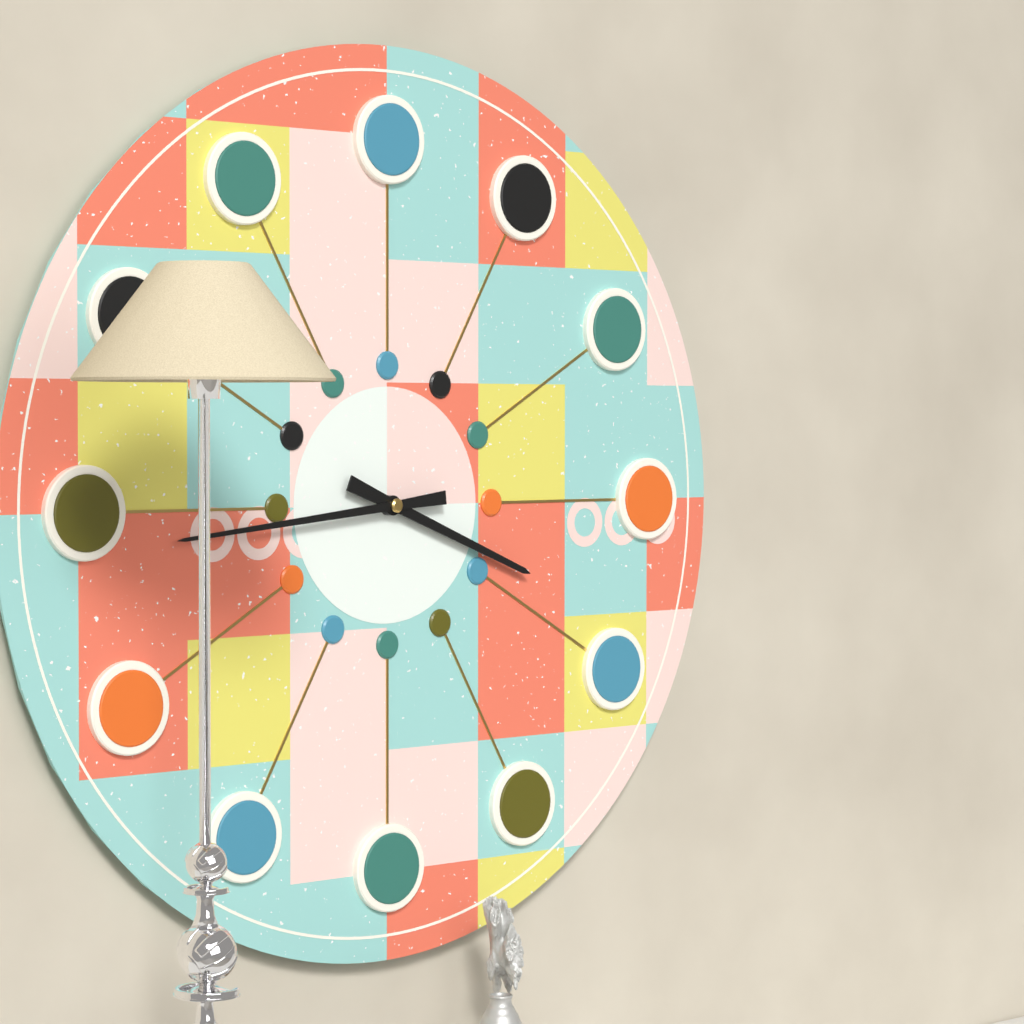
3:44
